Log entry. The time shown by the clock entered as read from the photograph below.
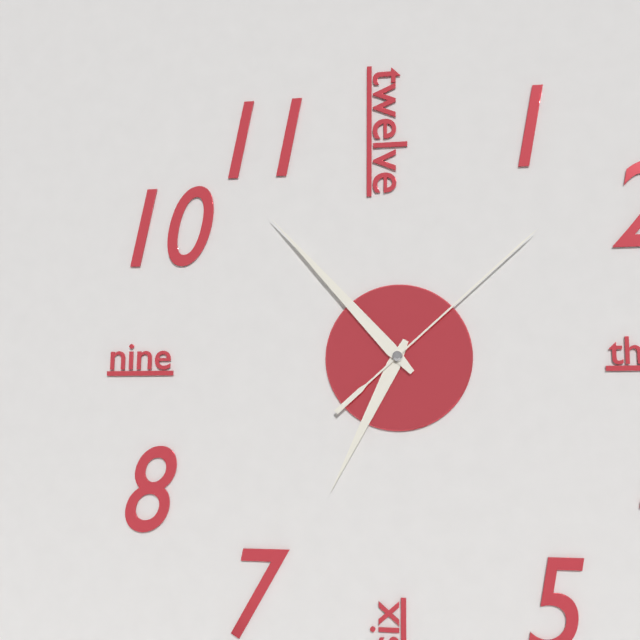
6:53:08
